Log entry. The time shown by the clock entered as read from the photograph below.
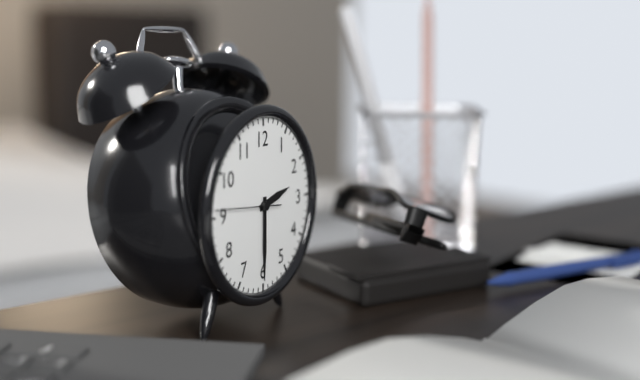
2:30:46
